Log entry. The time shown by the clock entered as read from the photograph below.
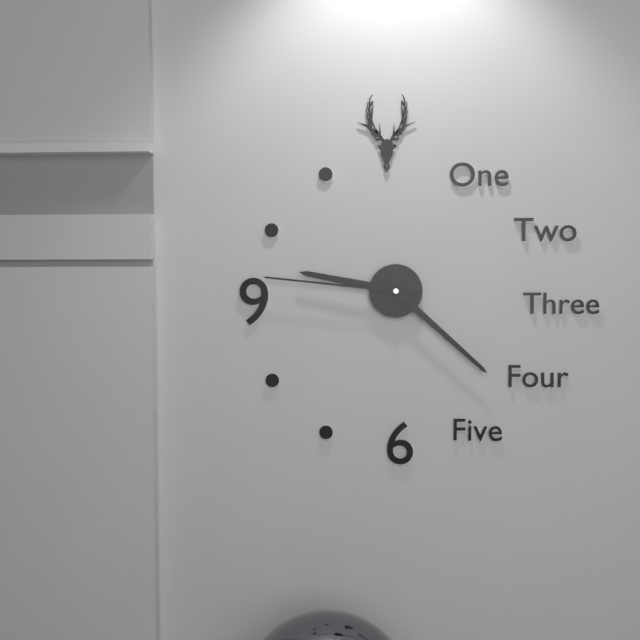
9:22:46
